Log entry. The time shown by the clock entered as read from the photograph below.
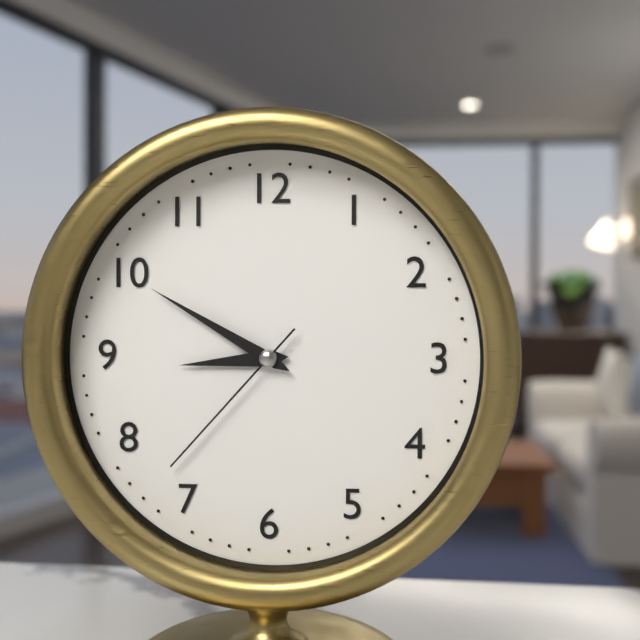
8:50:37
